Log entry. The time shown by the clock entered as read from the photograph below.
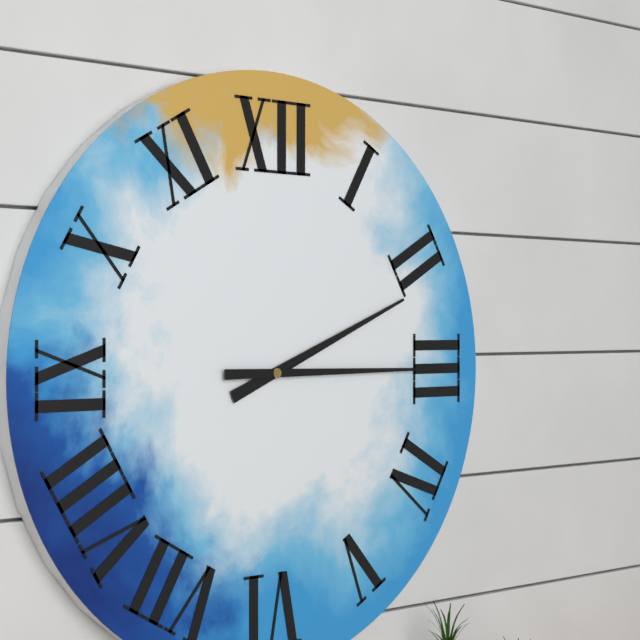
2:15
